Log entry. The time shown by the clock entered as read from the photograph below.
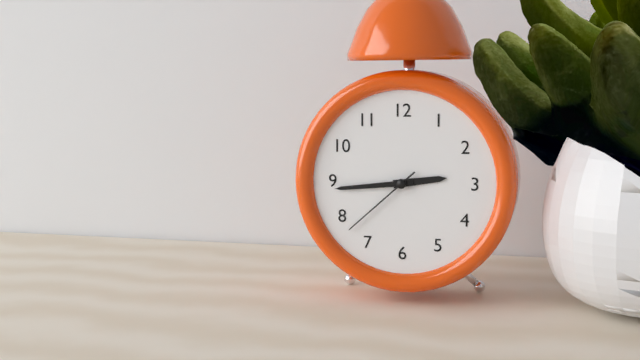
2:44:38
